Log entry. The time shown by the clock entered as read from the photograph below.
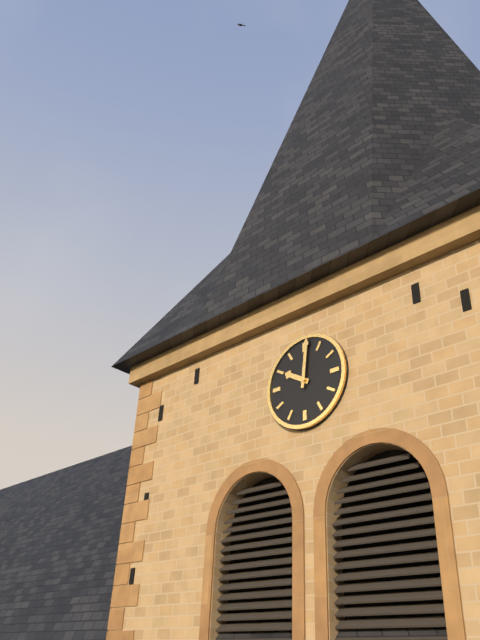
10:01
